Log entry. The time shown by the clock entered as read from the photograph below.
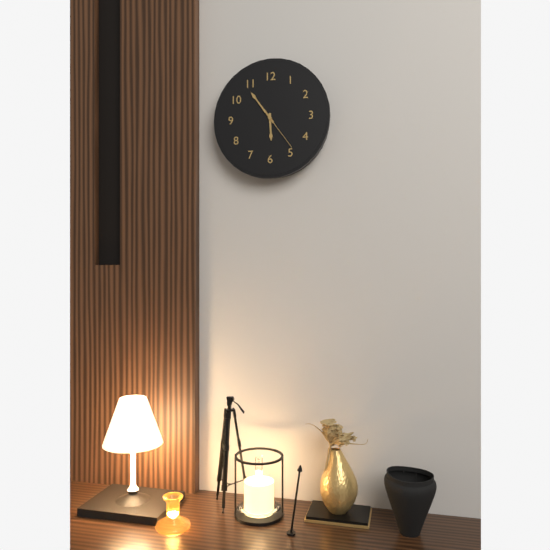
5:54
